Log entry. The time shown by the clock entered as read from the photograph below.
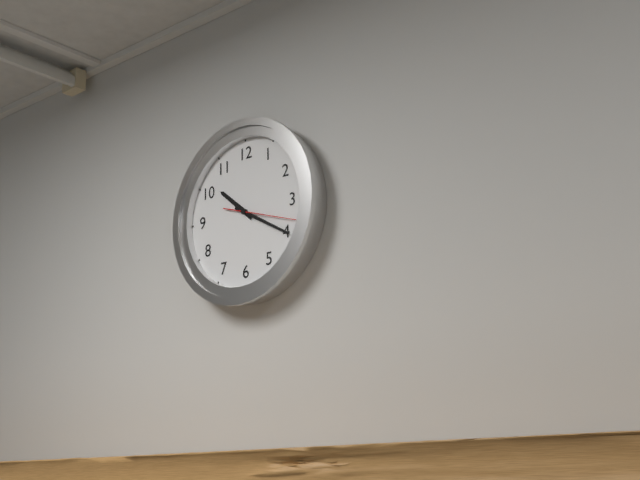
10:20:18
